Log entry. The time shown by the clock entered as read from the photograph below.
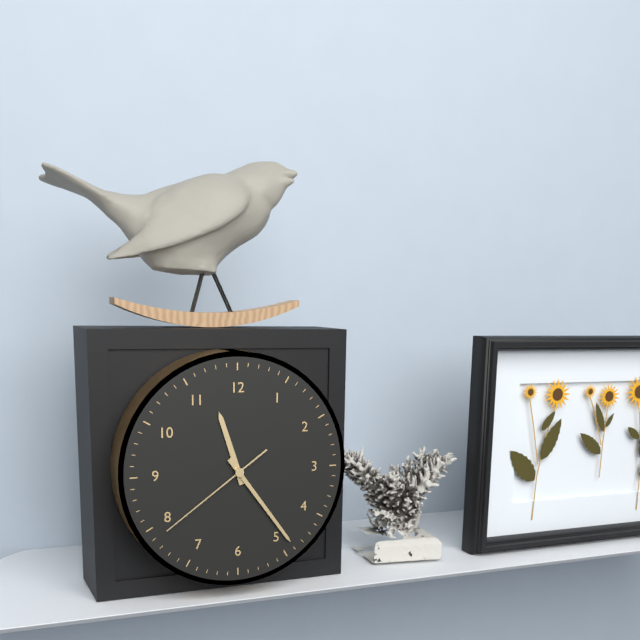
11:24:39
